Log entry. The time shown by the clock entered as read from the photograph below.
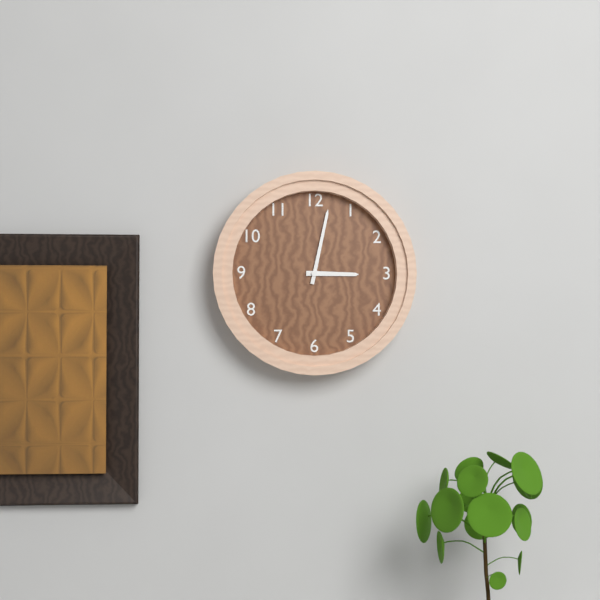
3:02
